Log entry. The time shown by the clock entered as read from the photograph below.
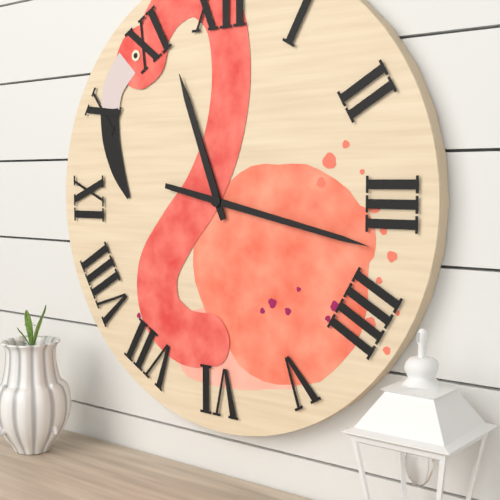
11:17
